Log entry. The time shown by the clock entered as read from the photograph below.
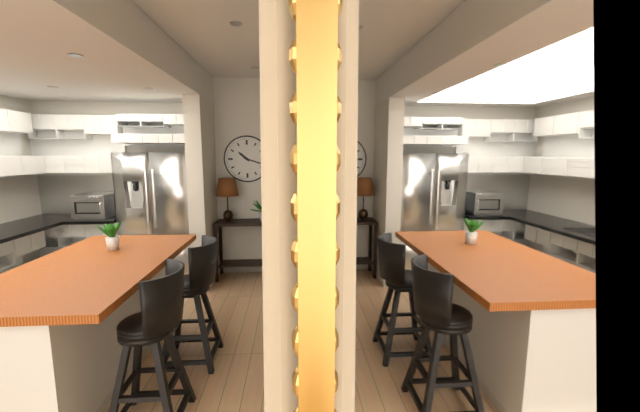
10:18
